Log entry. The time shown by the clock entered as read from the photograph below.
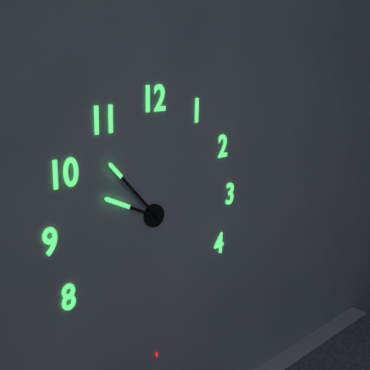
9:53
